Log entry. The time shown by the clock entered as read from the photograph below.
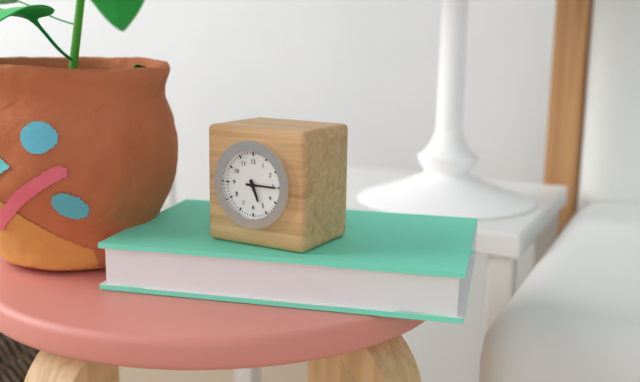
5:15
